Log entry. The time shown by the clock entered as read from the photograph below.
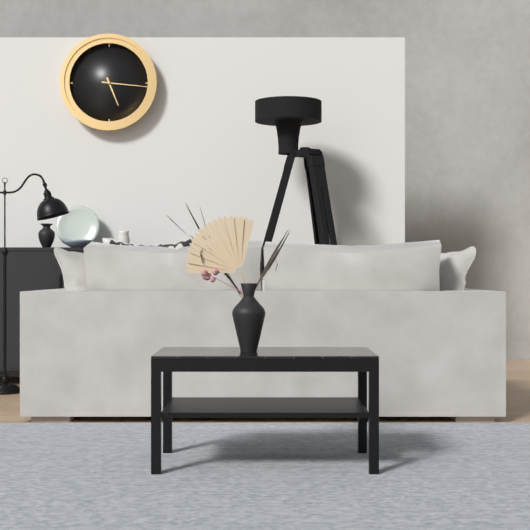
5:16
